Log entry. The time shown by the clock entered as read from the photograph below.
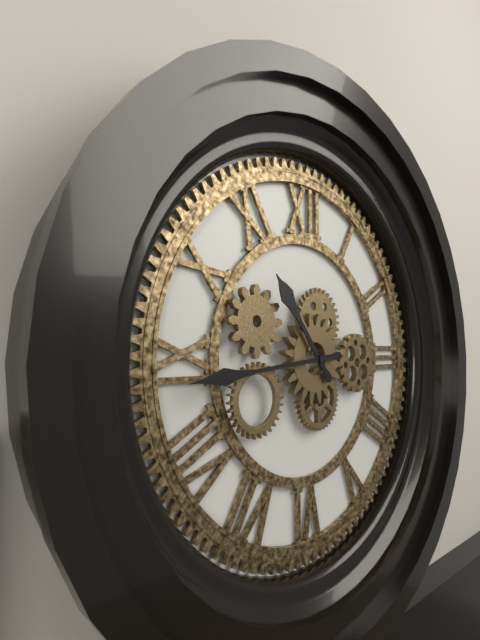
10:44
